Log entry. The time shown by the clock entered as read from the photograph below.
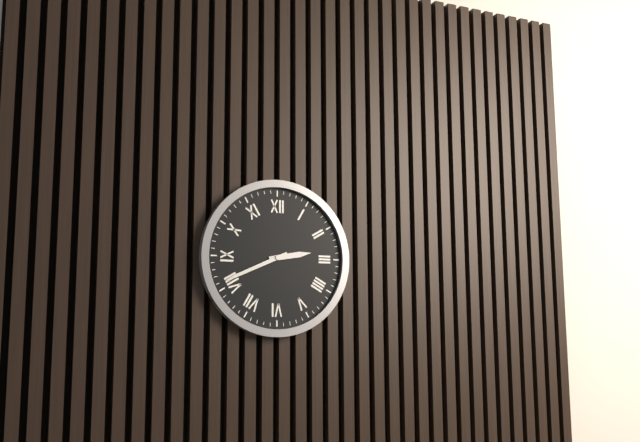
2:41
